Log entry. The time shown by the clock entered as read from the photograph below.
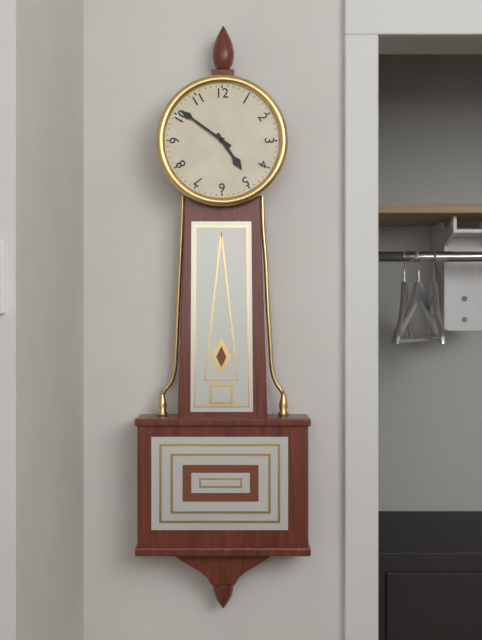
4:51
